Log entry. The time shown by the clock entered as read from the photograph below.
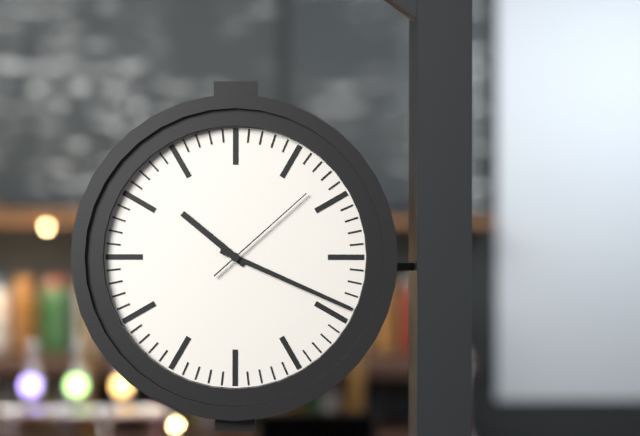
10:19:08
